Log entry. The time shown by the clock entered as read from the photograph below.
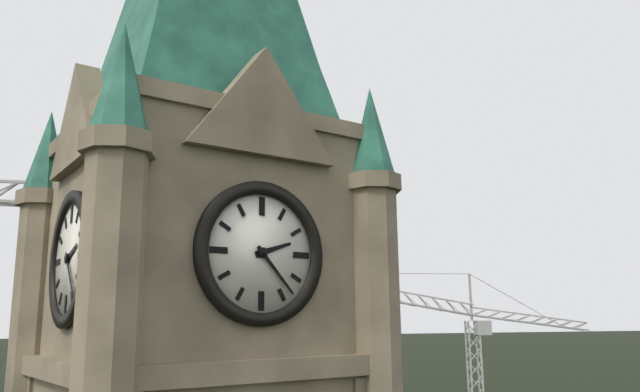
2:23
